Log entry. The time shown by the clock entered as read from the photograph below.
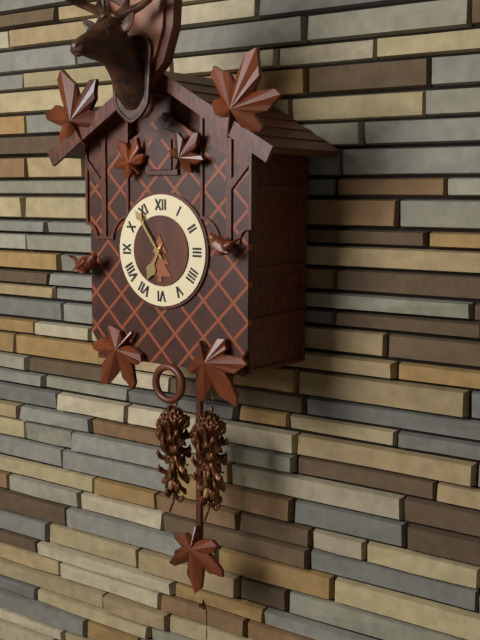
6:54
